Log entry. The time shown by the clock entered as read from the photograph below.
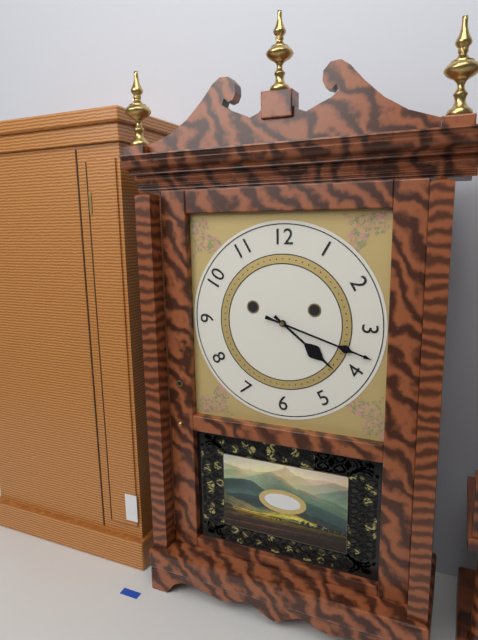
4:18
